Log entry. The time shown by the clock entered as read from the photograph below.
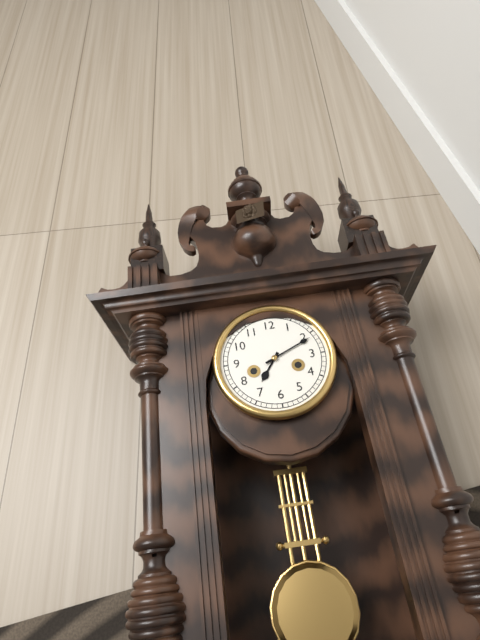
7:11
